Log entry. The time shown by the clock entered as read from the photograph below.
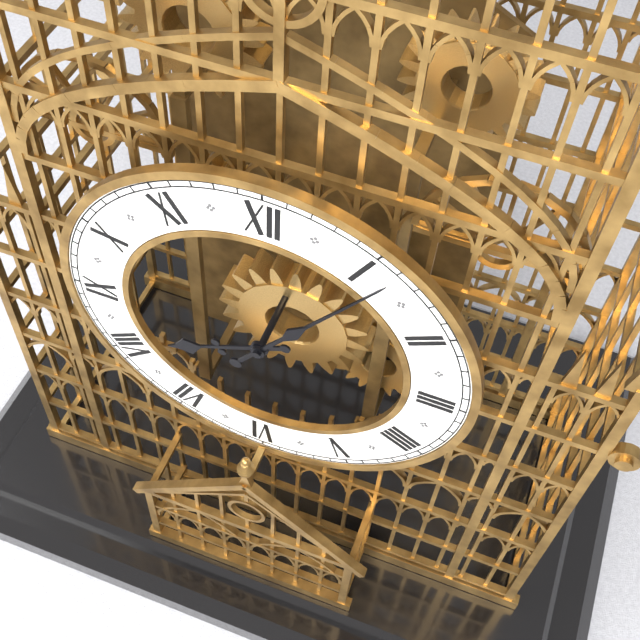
8:06
